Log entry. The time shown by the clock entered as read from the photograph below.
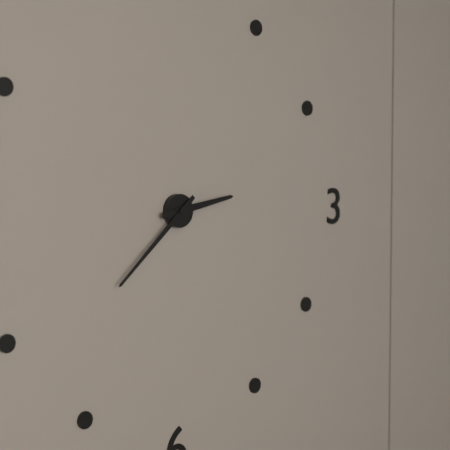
2:38
